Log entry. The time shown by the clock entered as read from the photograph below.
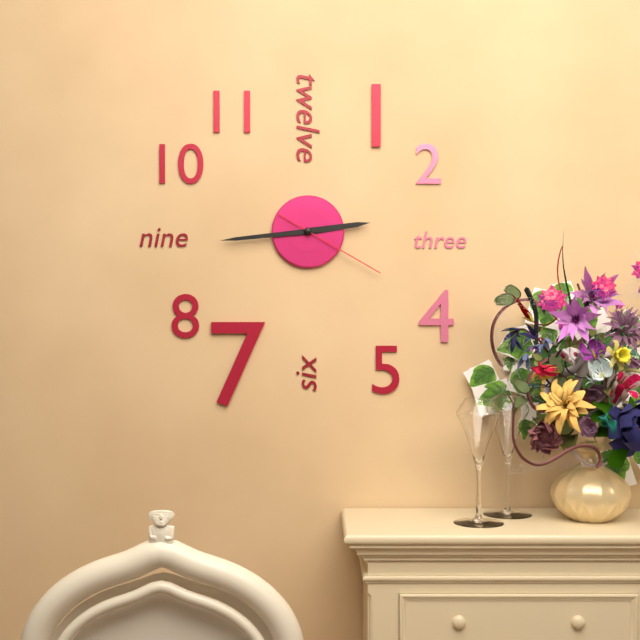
2:44:20
